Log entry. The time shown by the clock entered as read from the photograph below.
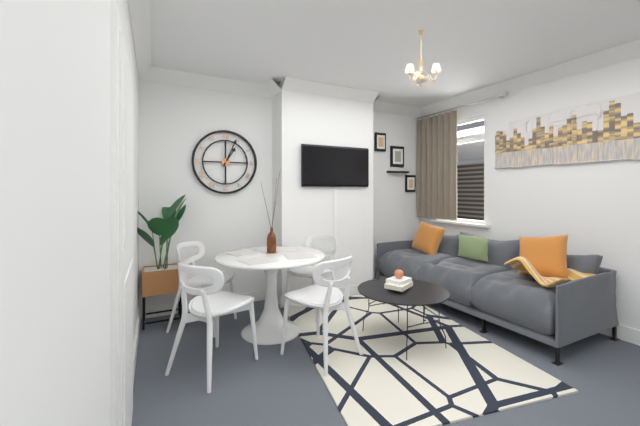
1:04
